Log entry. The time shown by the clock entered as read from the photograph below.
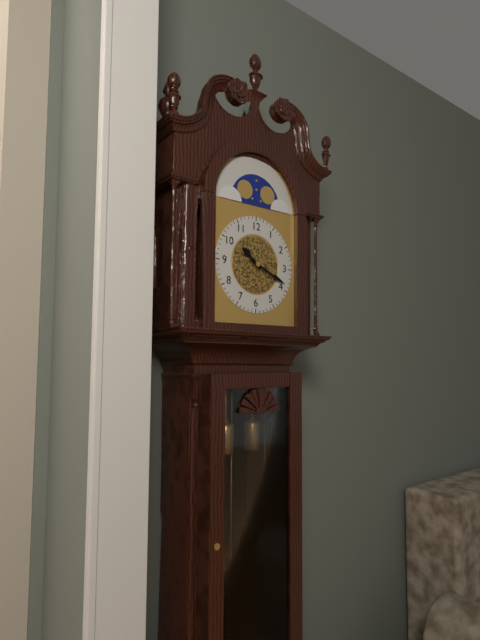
10:19
